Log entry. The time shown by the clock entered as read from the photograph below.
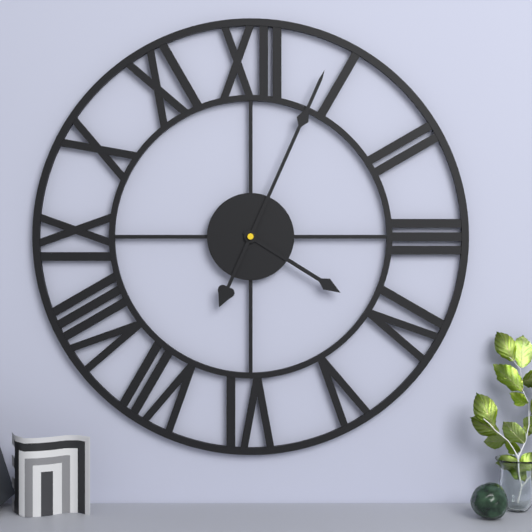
4:04
